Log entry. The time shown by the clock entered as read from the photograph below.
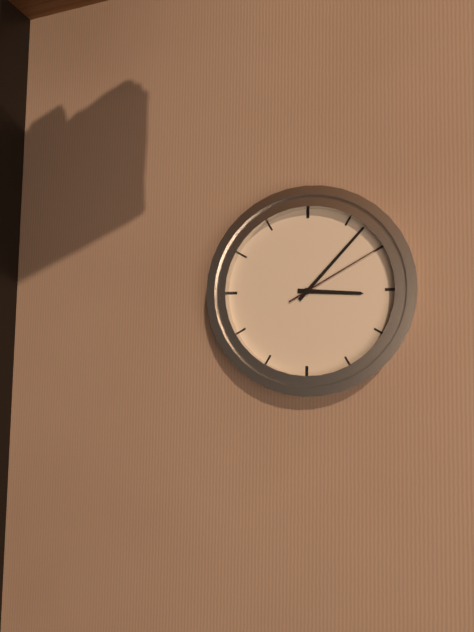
3:07:10
